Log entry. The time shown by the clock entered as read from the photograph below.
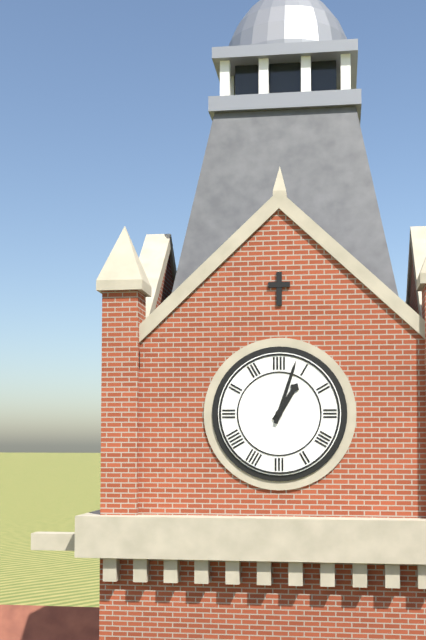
1:03
